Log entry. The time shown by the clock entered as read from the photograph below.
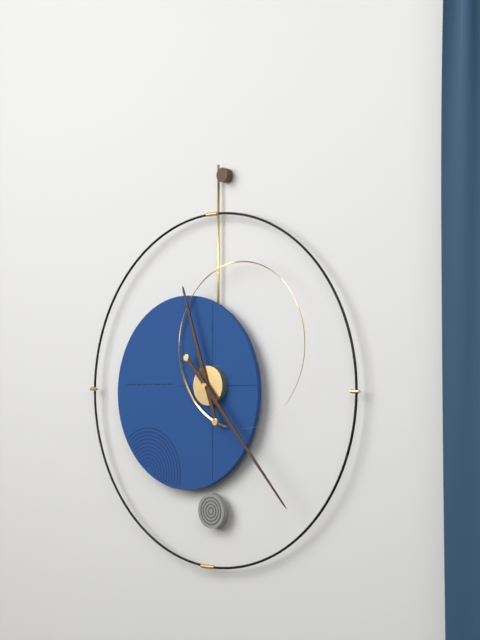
11:23
